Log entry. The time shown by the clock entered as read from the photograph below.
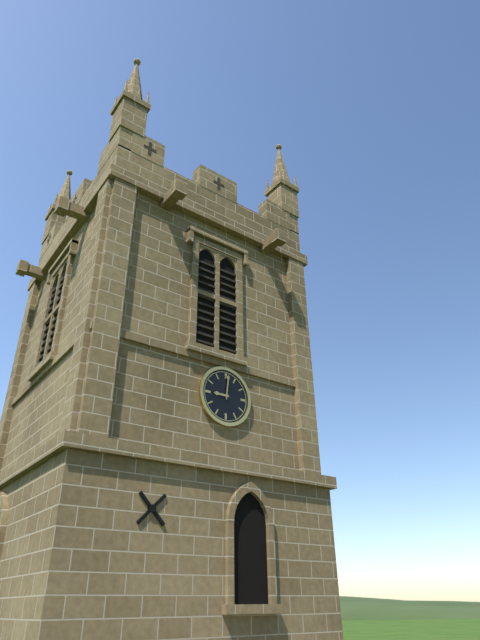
9:01
